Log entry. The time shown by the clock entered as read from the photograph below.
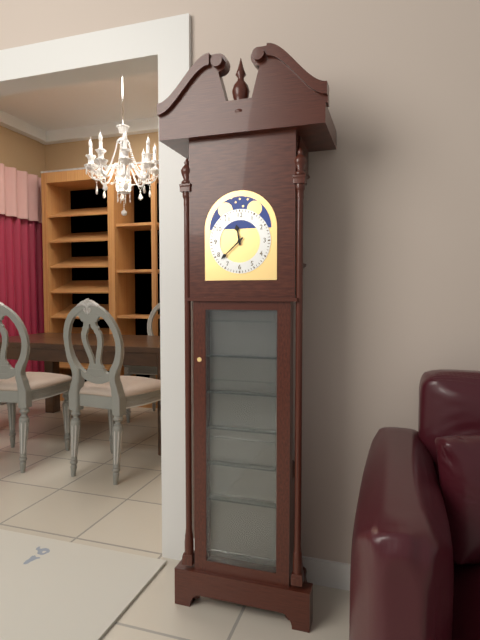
11:38
